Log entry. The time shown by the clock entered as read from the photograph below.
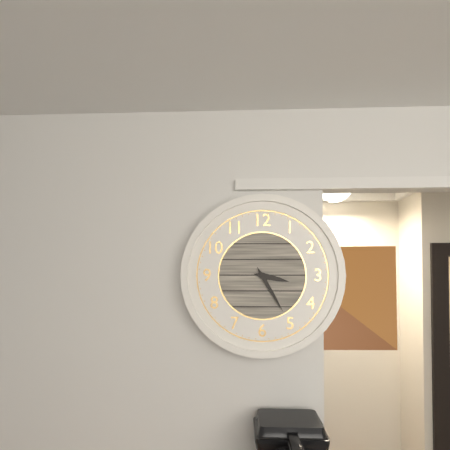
3:25
